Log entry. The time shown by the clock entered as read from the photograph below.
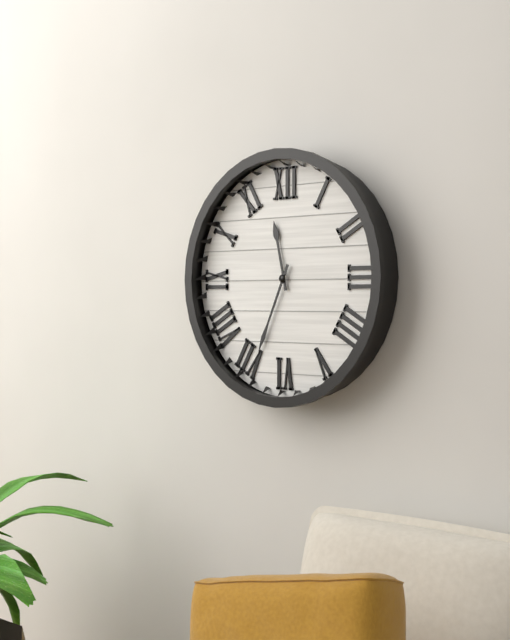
11:34
